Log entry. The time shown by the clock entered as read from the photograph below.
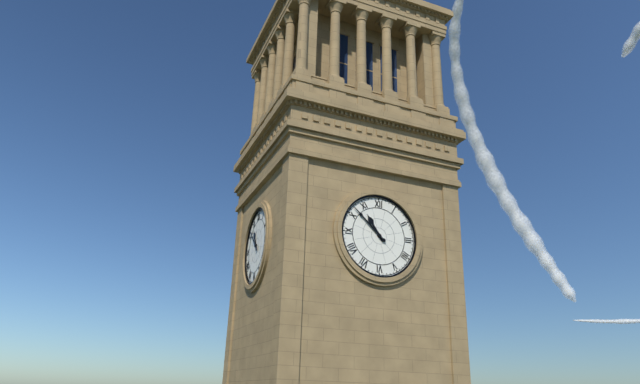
10:52
